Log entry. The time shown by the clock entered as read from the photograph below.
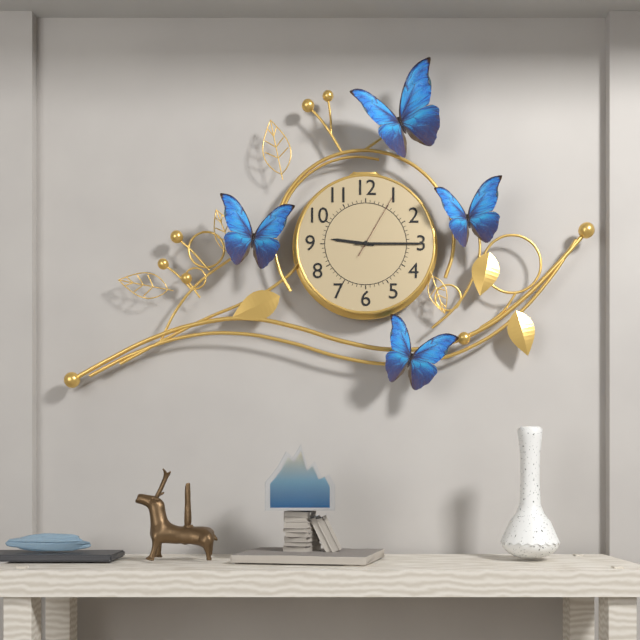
9:15:05
